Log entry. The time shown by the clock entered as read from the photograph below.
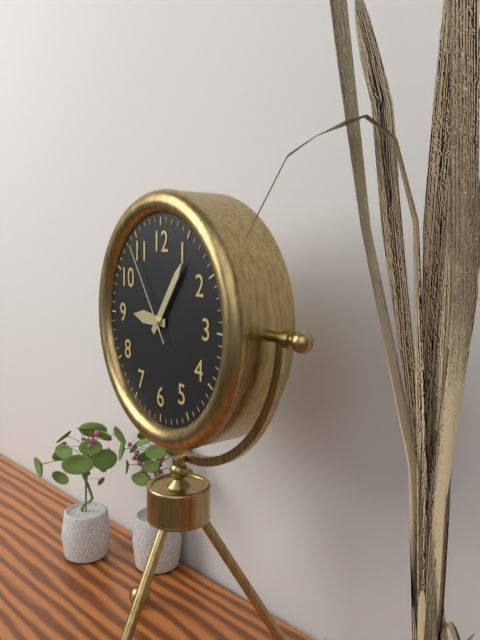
9:06:54
